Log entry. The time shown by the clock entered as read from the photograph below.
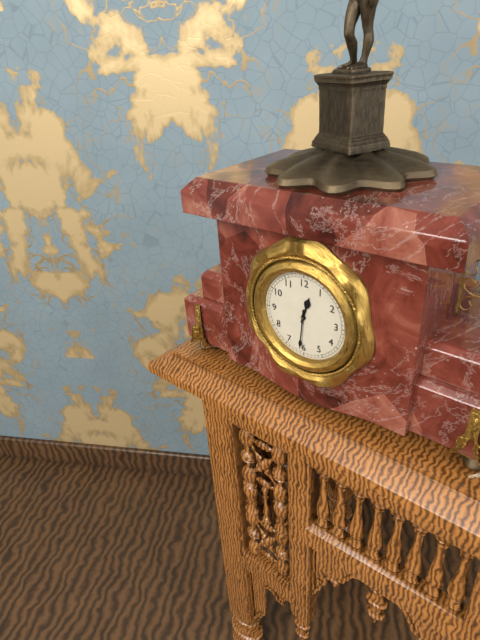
12:31
